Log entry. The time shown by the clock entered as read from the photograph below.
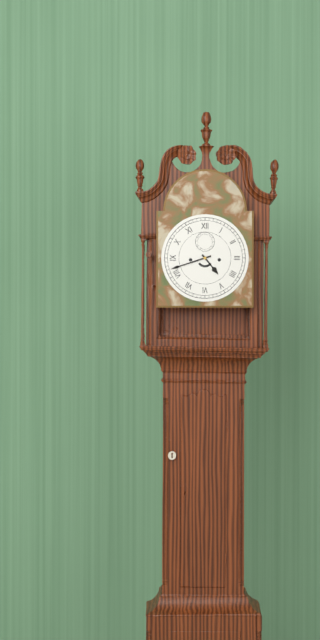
4:42
